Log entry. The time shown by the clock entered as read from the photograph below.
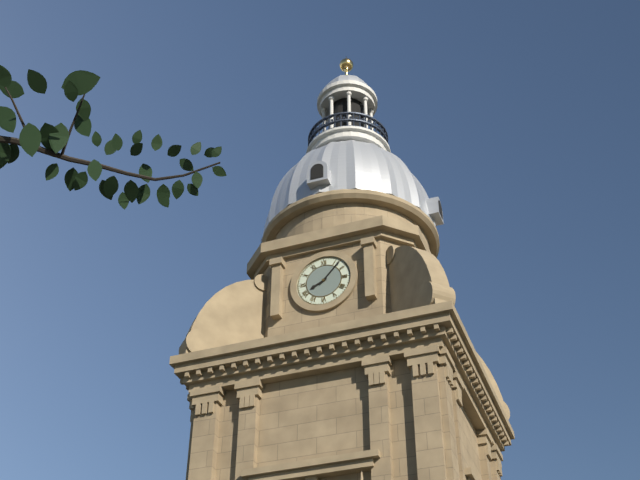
8:07
